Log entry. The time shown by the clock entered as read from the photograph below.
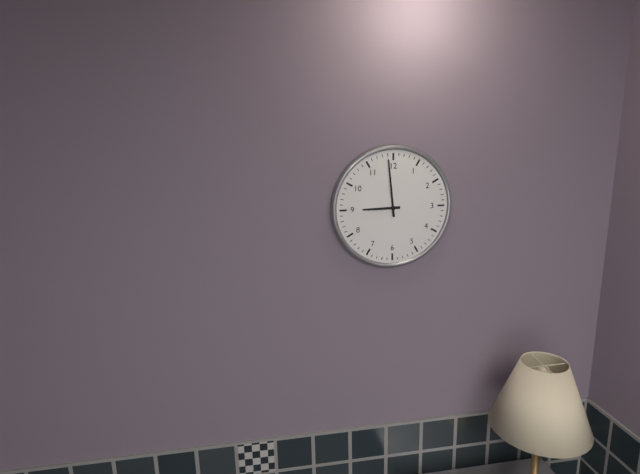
8:59
